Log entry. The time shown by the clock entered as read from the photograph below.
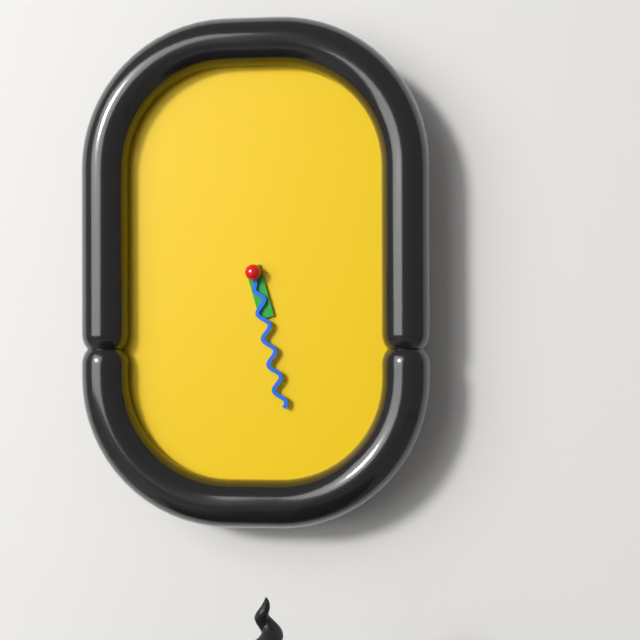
5:28
